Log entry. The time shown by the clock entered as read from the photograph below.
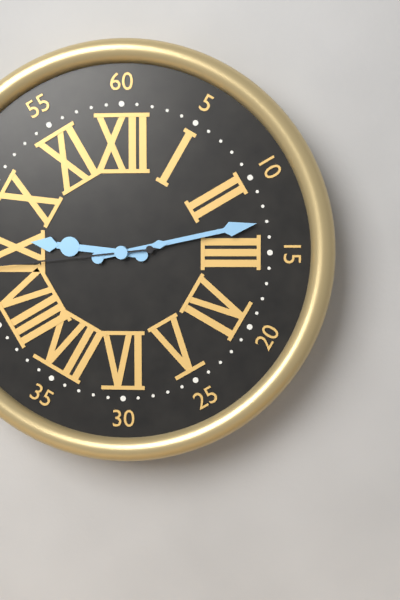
9:13
